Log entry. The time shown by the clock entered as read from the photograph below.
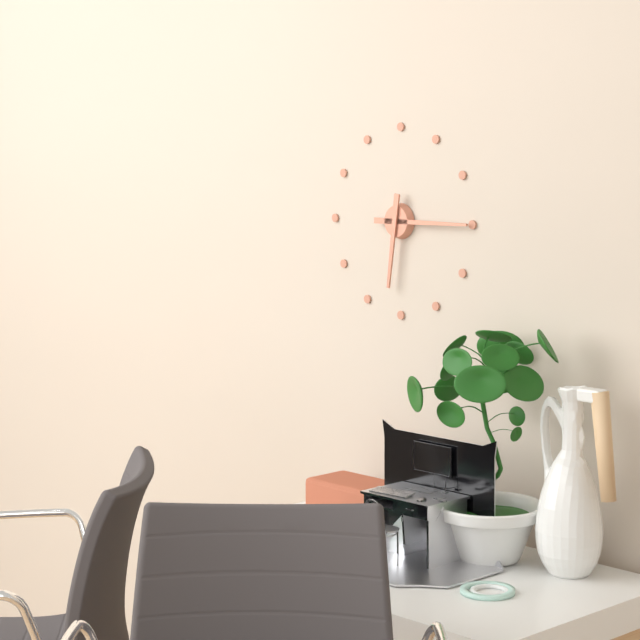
6:15
